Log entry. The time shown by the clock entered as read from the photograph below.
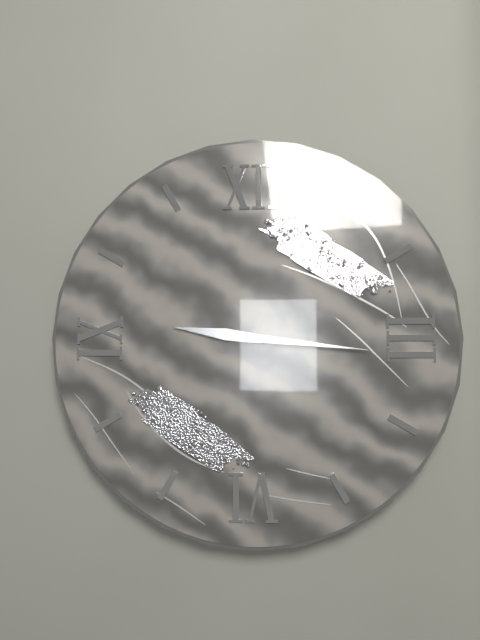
9:16
